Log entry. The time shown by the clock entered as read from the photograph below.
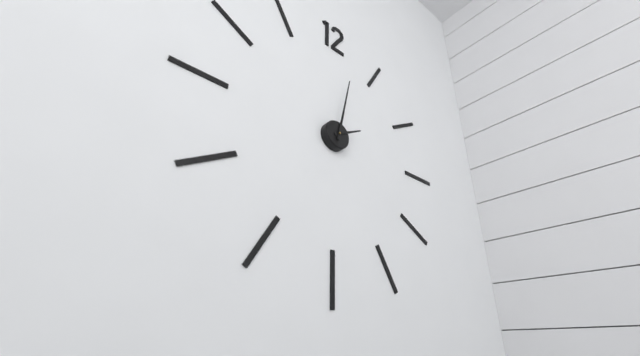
2:02
